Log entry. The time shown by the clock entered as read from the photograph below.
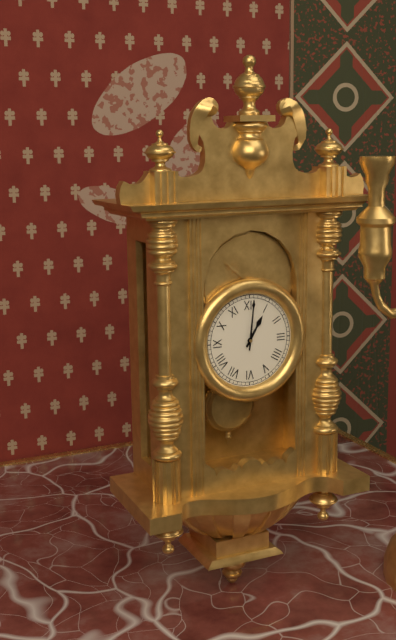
1:01
